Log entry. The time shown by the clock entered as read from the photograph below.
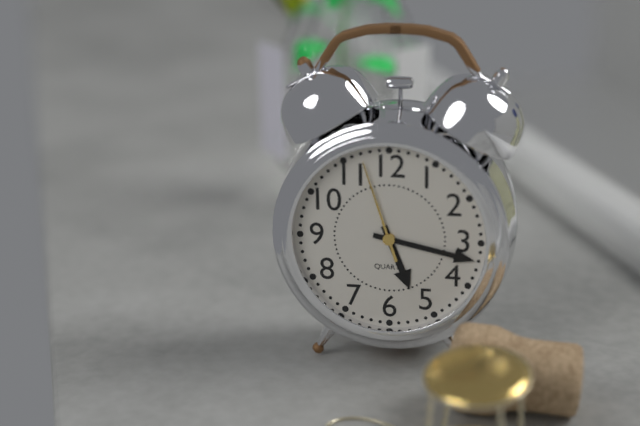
5:17:57
